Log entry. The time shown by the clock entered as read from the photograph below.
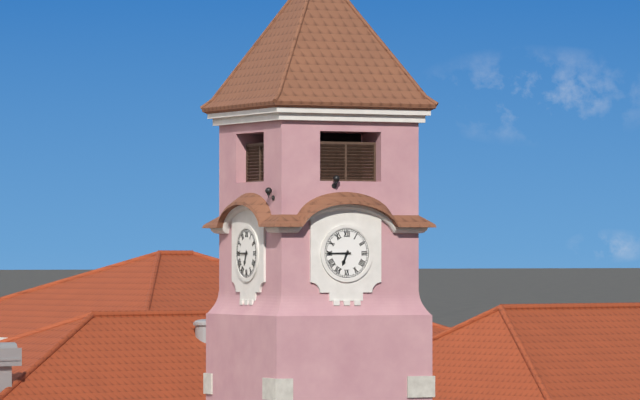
6:45
